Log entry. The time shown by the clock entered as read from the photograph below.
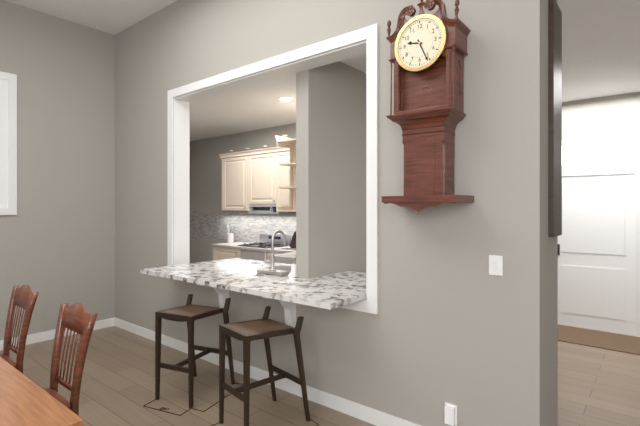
9:26
